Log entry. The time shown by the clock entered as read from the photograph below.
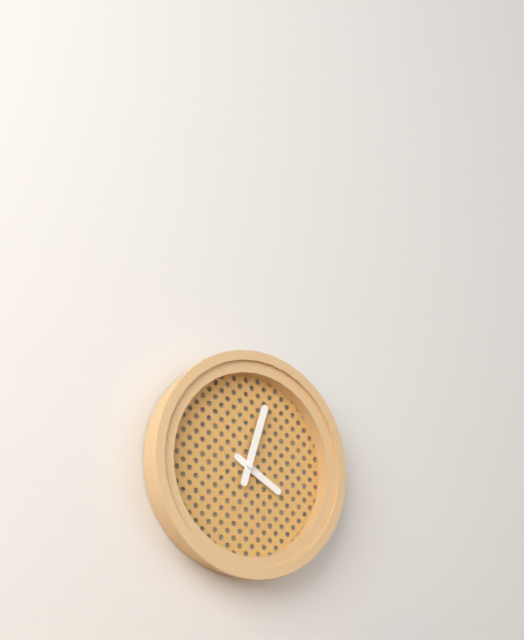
4:03
